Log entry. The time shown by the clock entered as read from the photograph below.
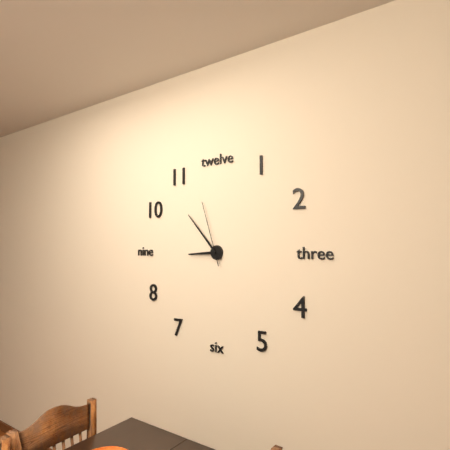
8:53:57
